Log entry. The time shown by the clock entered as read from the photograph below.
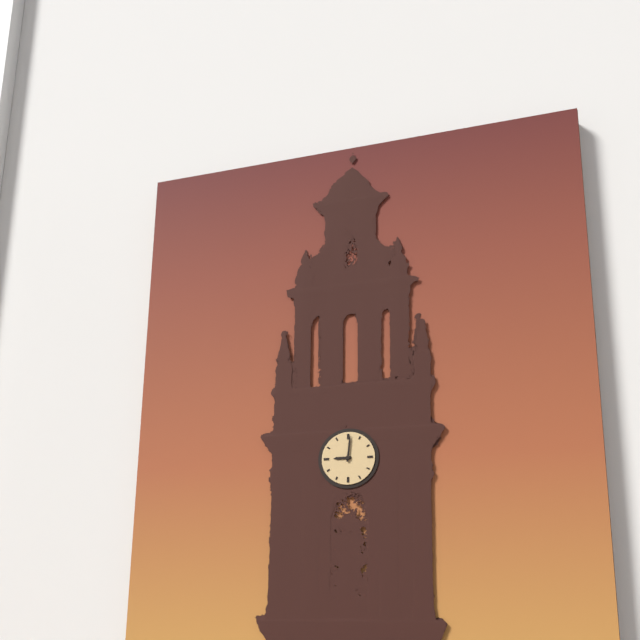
9:01
